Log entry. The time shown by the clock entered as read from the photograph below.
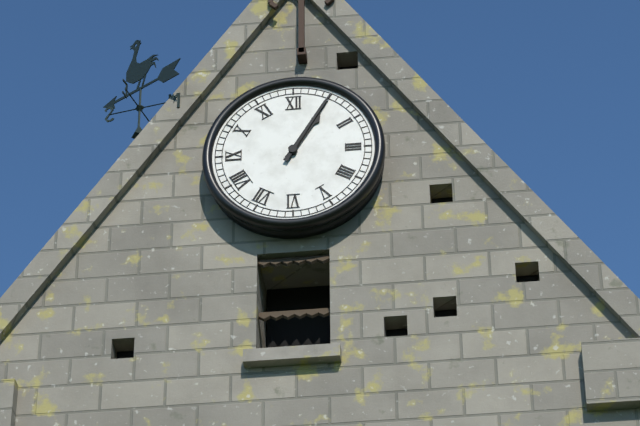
1:05
